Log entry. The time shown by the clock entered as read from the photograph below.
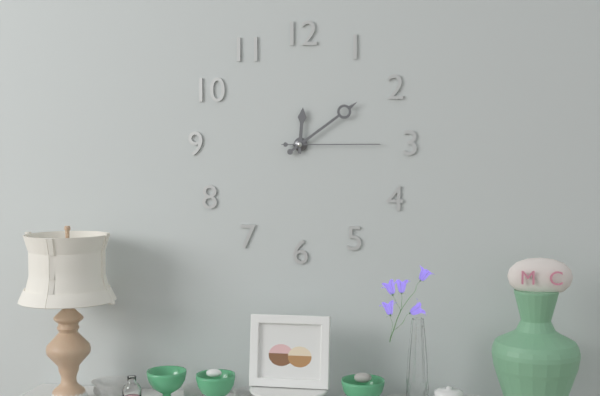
12:09:15
